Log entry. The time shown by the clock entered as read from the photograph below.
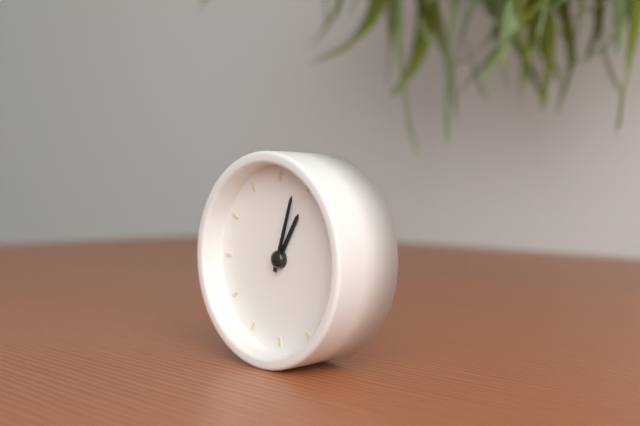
1:03
